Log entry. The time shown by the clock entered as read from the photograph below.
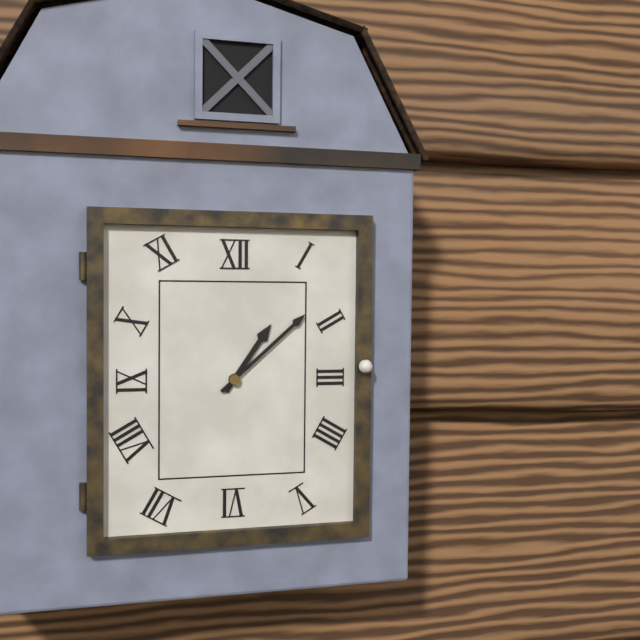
1:08
